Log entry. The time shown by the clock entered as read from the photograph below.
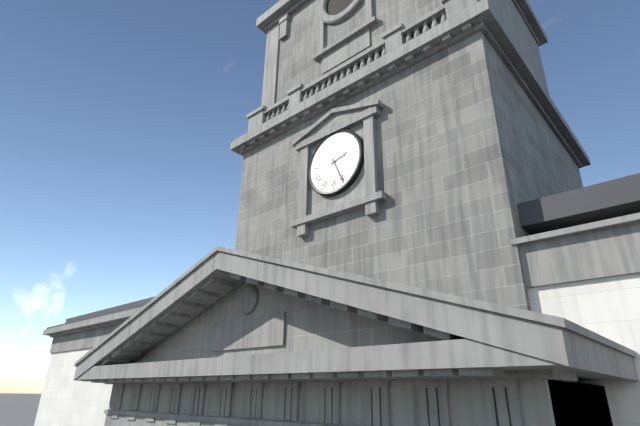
2:26
